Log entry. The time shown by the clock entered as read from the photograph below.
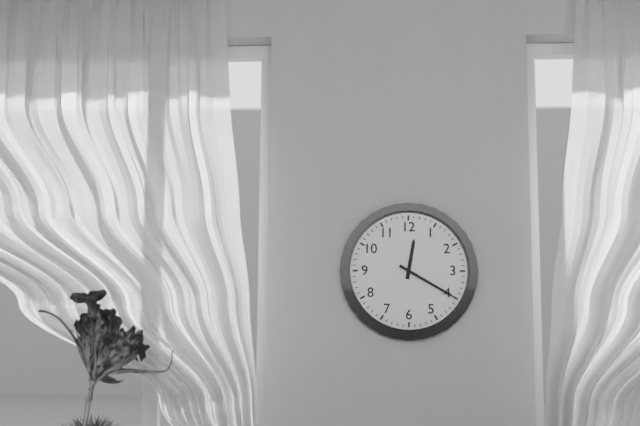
12:20
